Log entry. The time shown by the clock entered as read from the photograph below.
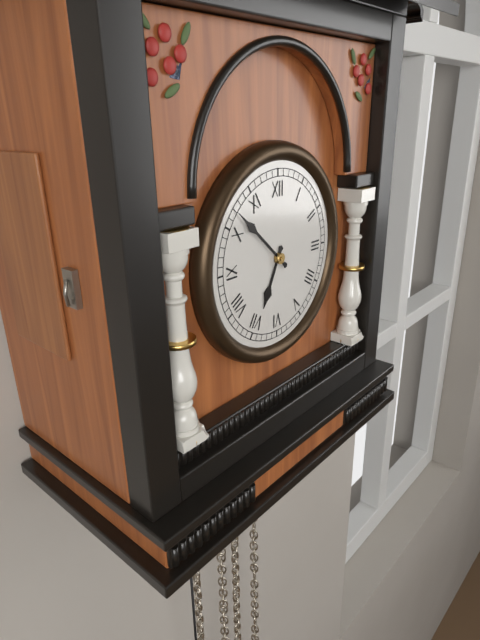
6:52
